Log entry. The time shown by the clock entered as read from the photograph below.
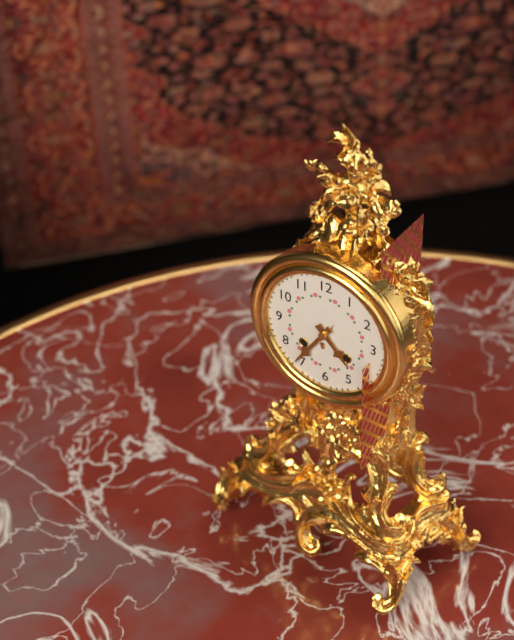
4:36
